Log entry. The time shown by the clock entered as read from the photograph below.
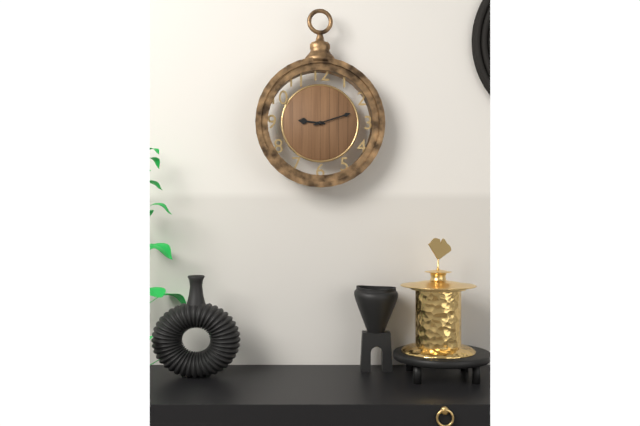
9:12
